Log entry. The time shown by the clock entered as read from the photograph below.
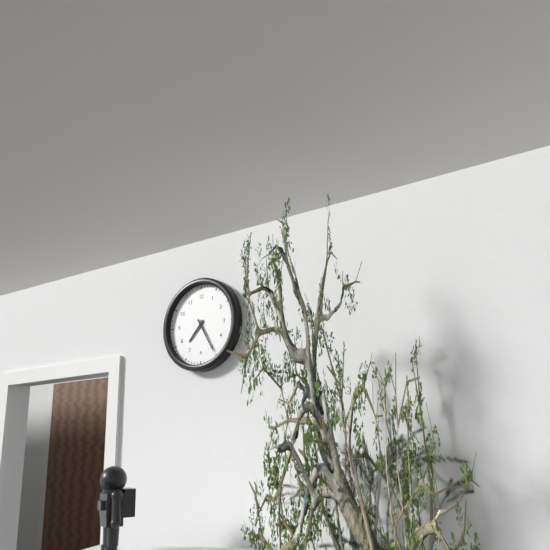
7:25
